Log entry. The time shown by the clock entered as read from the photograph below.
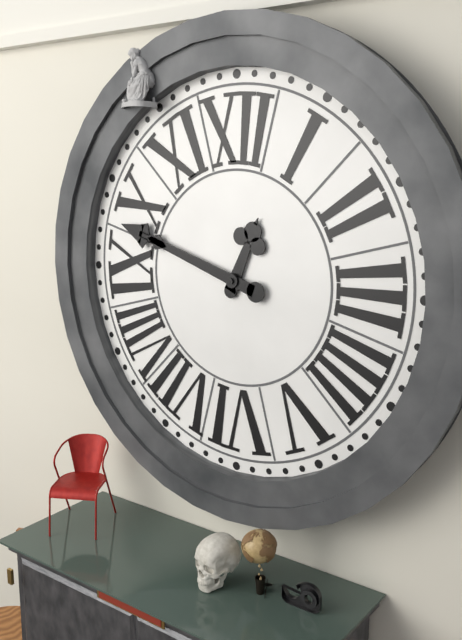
12:48
